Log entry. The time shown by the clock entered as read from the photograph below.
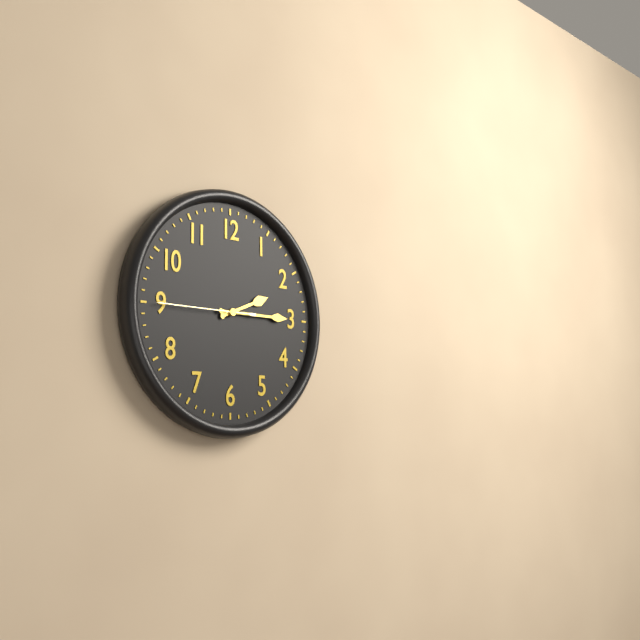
2:15:45
